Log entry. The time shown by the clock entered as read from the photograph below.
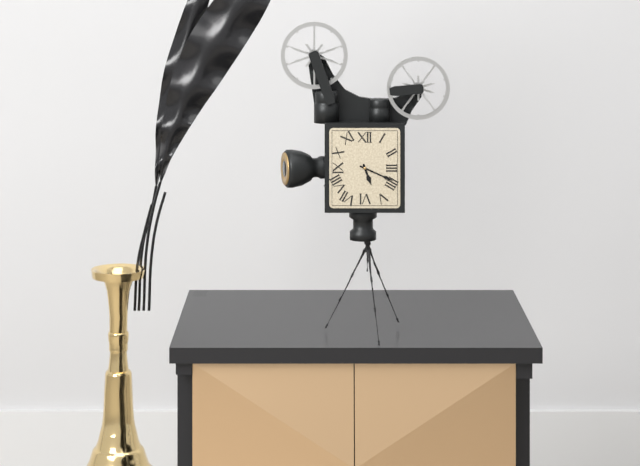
5:19
